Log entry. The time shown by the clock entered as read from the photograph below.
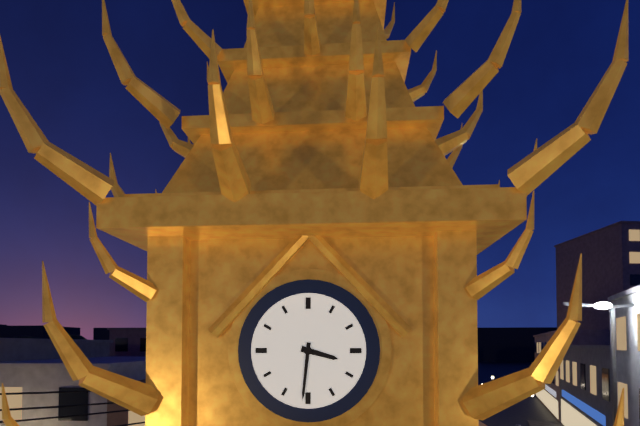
3:31
